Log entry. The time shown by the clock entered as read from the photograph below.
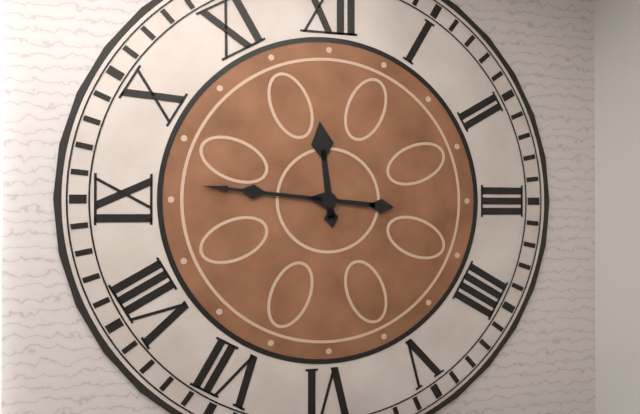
11:46
